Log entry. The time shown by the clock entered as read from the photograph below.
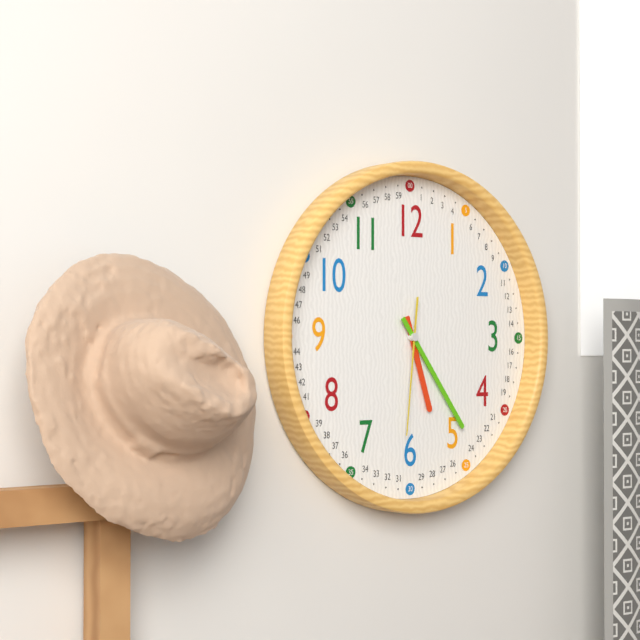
5:24:31
